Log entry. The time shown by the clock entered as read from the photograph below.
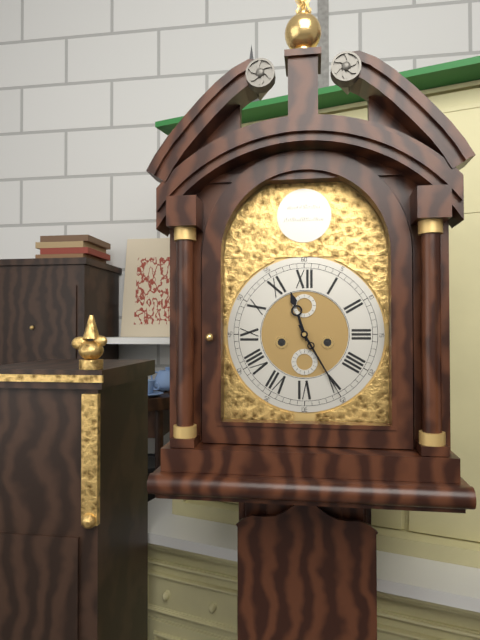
11:25
